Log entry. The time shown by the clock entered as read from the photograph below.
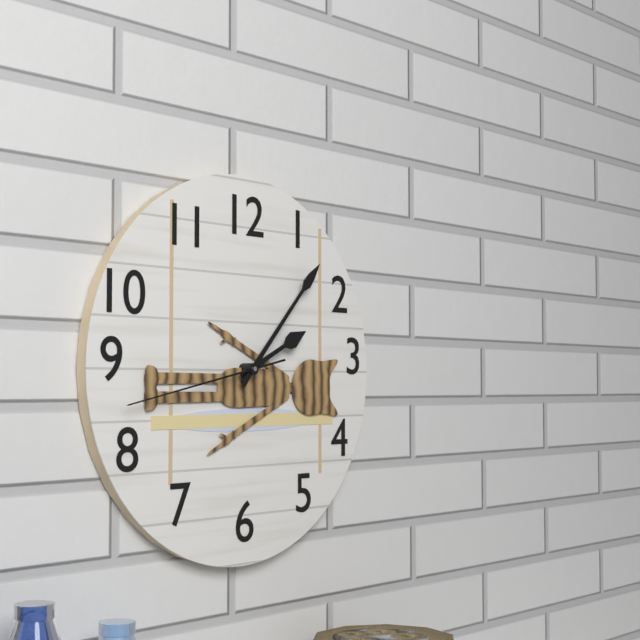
2:07:43
